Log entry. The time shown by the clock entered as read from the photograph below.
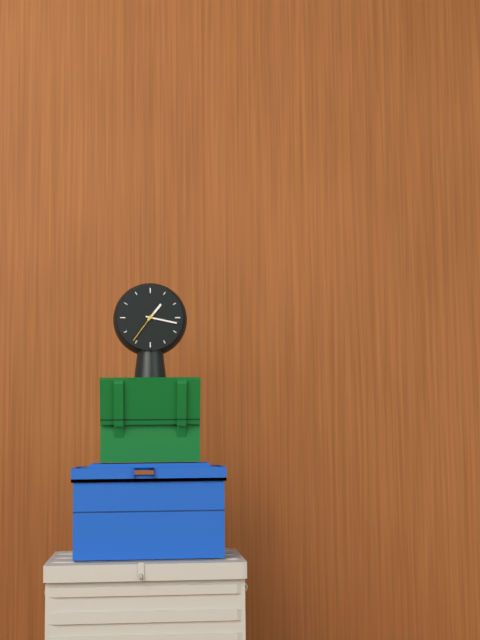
1:17
